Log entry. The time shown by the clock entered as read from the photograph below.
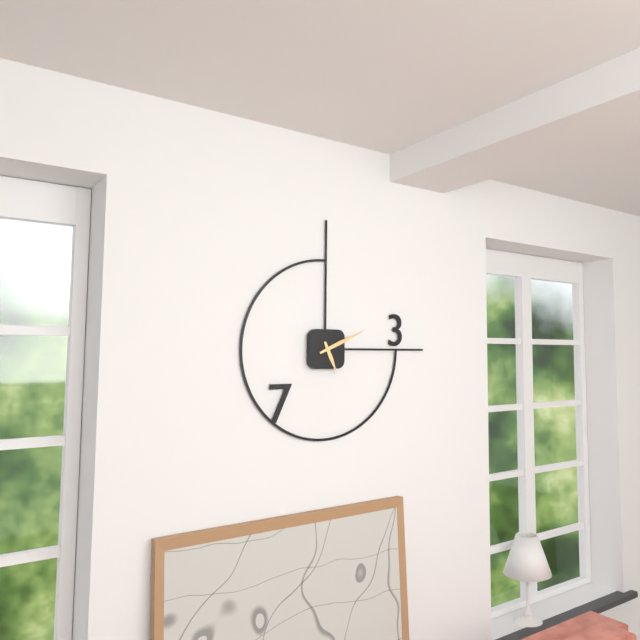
5:11
